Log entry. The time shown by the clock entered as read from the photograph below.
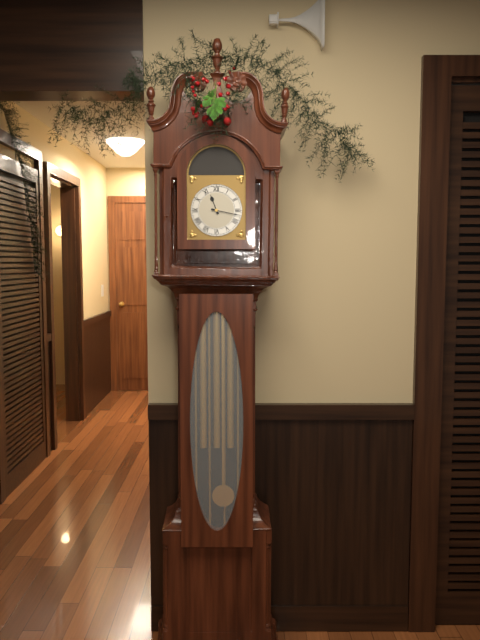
11:17
